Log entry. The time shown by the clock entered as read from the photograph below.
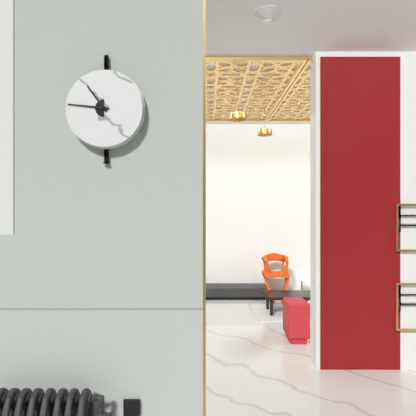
10:46
